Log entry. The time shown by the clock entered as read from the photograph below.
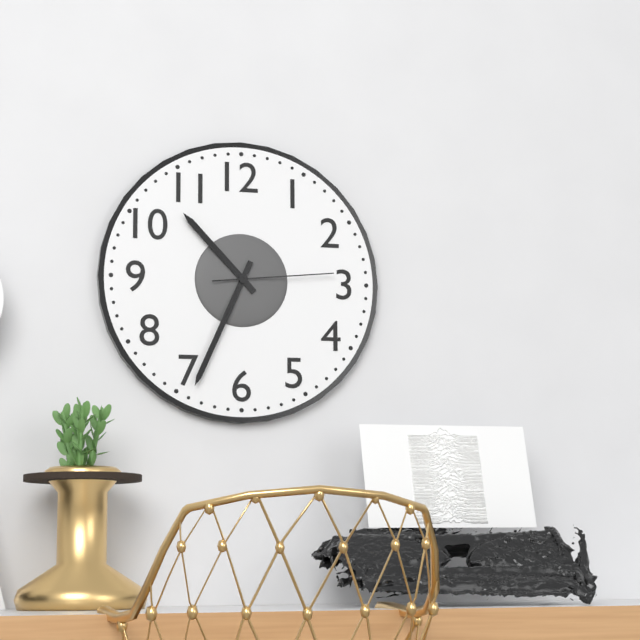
10:34:14
